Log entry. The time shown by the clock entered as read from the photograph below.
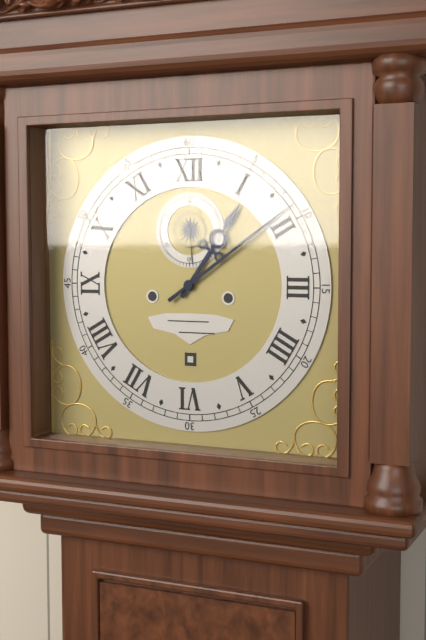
1:09:29
